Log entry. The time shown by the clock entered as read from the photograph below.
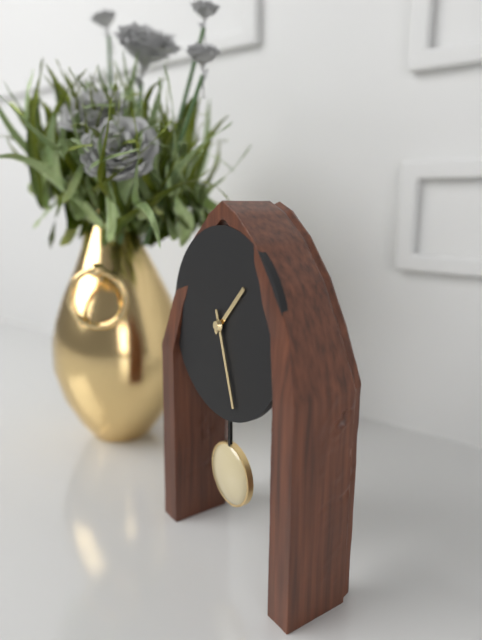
1:27
